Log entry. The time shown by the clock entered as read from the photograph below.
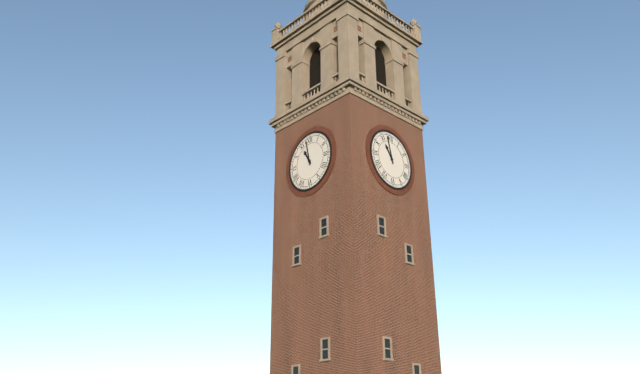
10:58
